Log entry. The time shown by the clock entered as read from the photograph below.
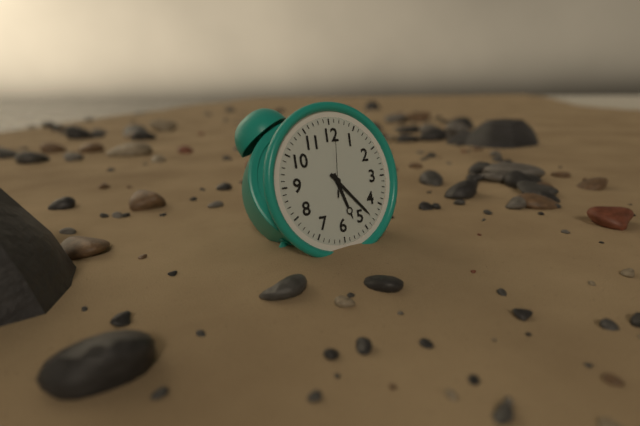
5:23:01
